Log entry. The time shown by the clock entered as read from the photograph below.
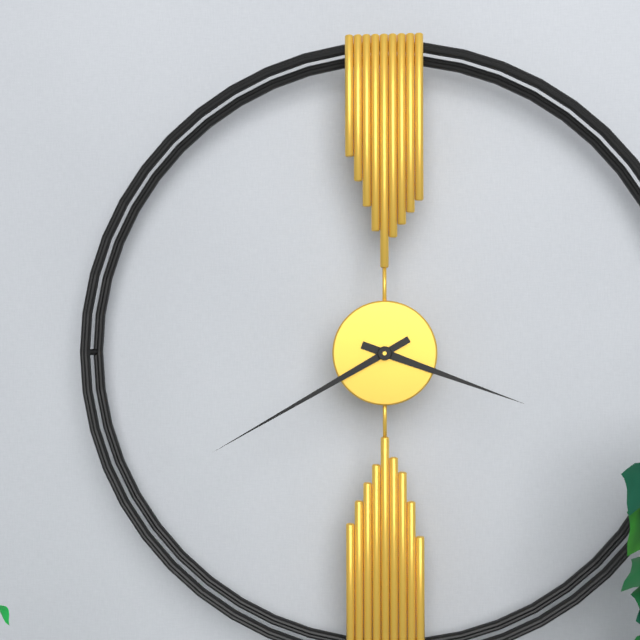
3:40
